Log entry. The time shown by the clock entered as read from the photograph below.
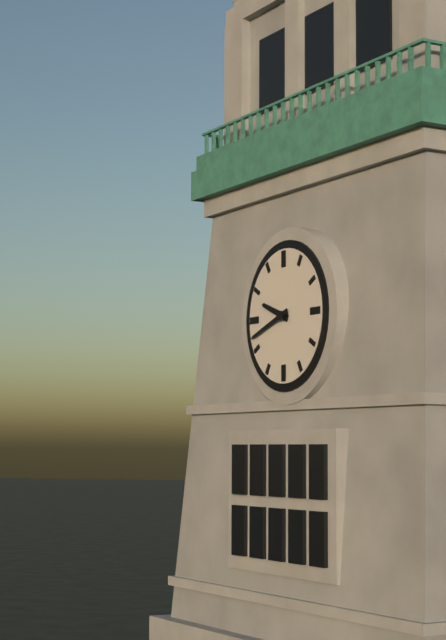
9:42
